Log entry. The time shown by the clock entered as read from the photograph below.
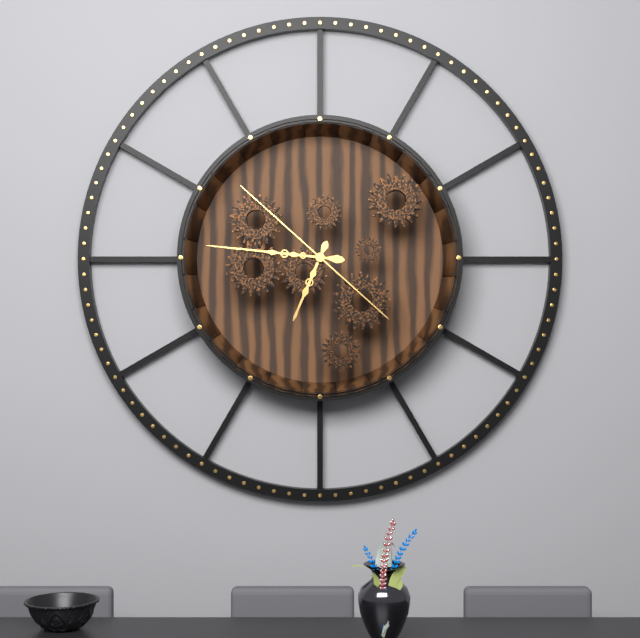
6:46:52
